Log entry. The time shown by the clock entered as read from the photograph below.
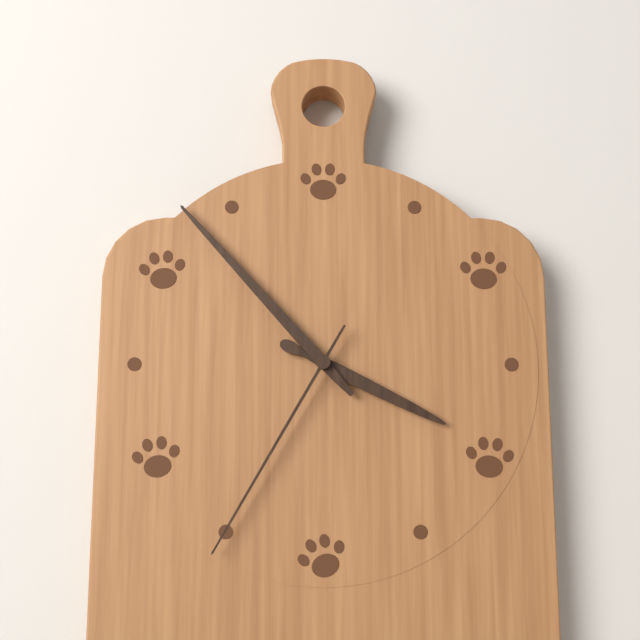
3:53:35
